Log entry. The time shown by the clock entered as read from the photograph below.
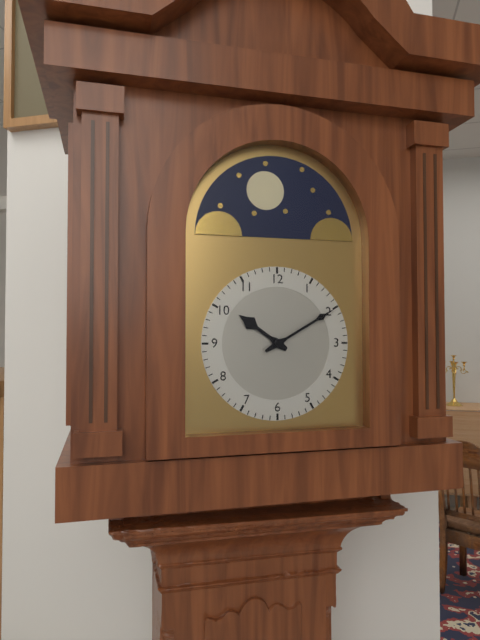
10:10
